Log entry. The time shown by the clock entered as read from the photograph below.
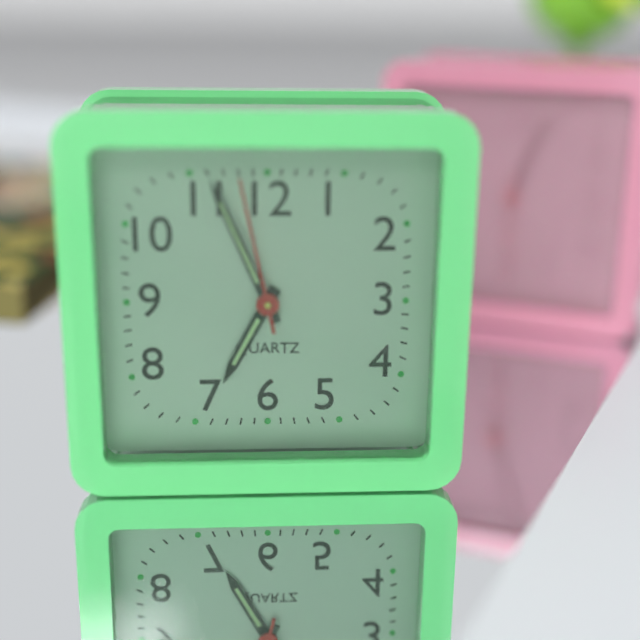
6:56:58
